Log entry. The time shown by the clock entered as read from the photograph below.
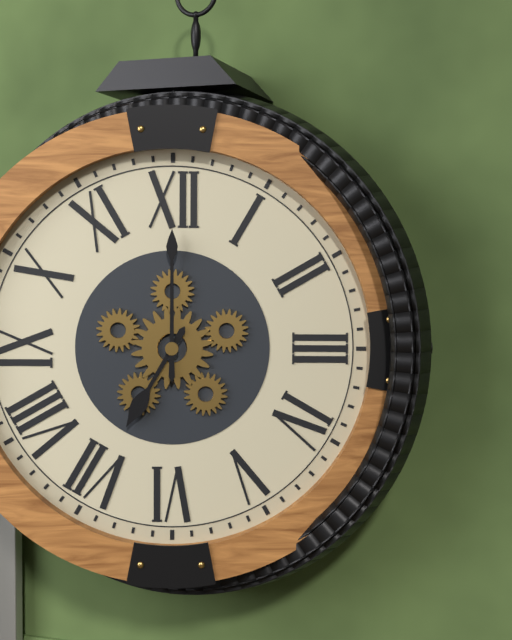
7:00
